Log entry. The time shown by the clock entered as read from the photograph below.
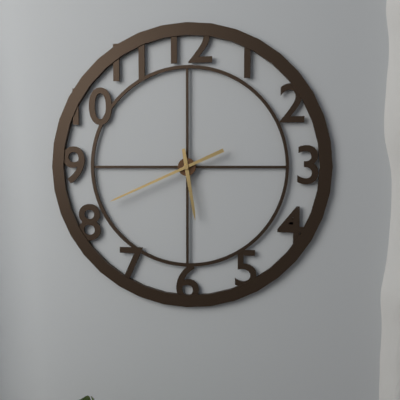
5:41
